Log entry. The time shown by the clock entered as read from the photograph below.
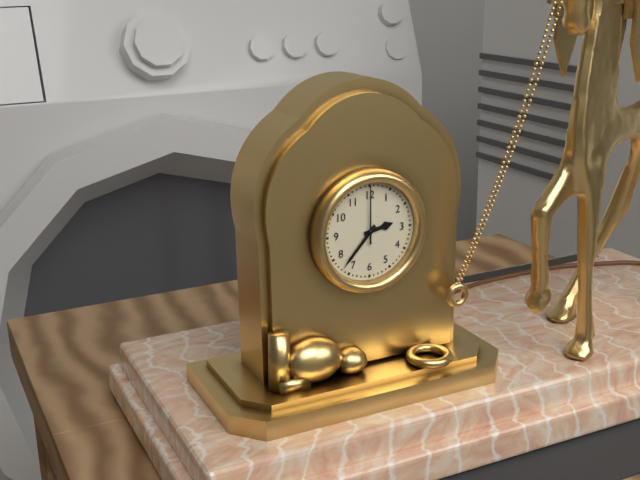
2:37:00
